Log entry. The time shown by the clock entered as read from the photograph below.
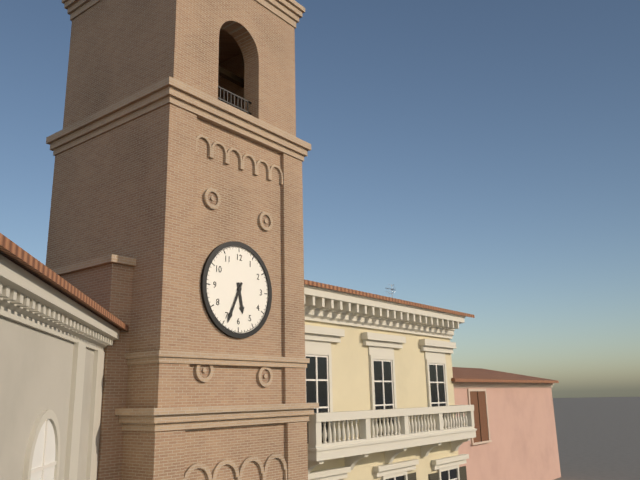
5:34
